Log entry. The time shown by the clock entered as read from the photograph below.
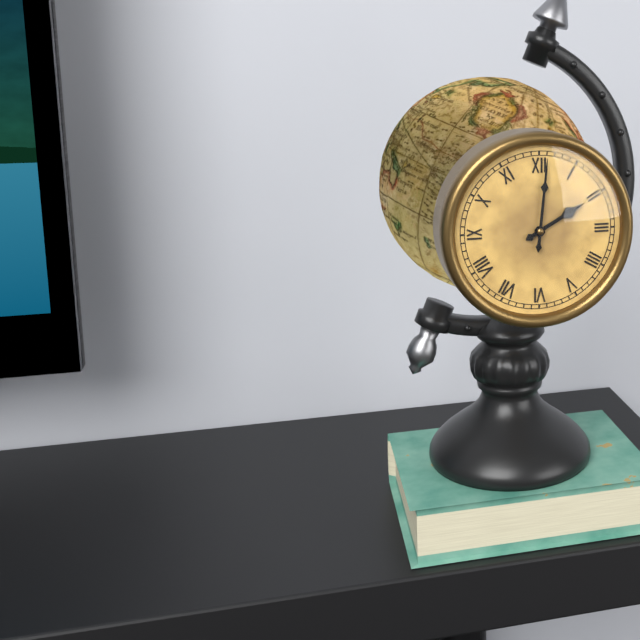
2:01
